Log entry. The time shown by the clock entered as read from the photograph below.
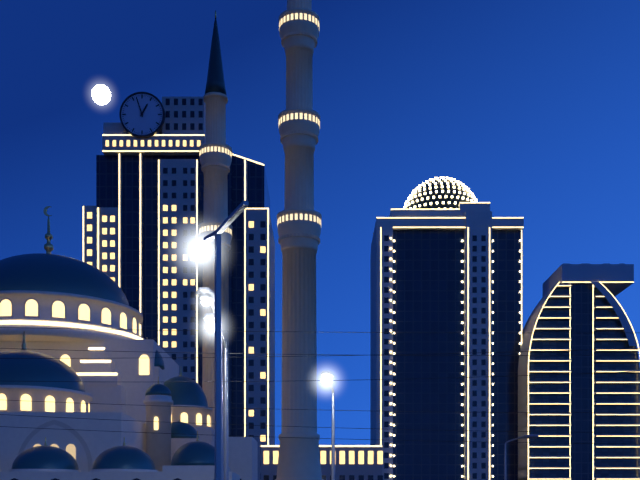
12:57
